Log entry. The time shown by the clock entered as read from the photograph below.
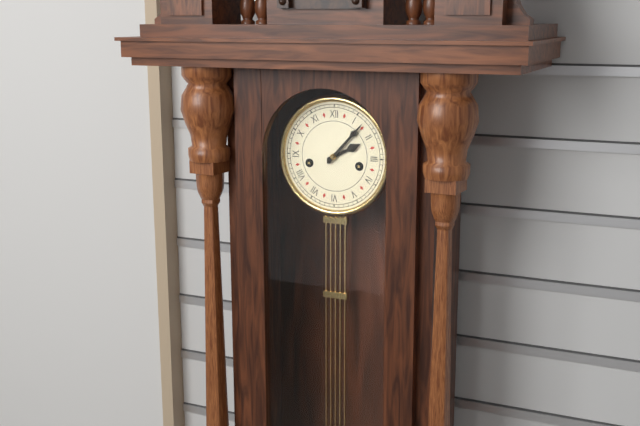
2:07
